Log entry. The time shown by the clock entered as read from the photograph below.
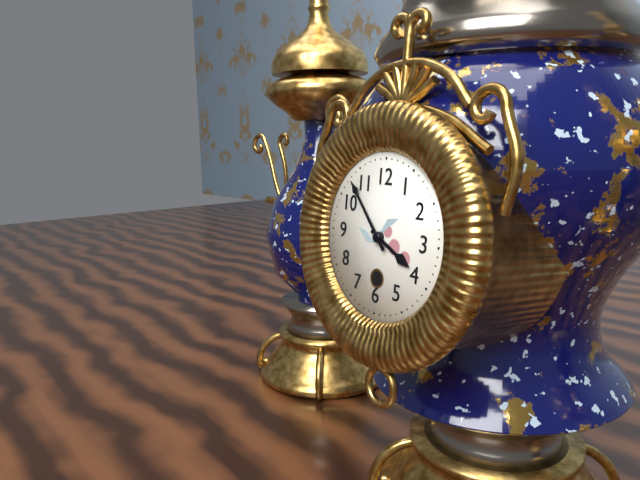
3:53
